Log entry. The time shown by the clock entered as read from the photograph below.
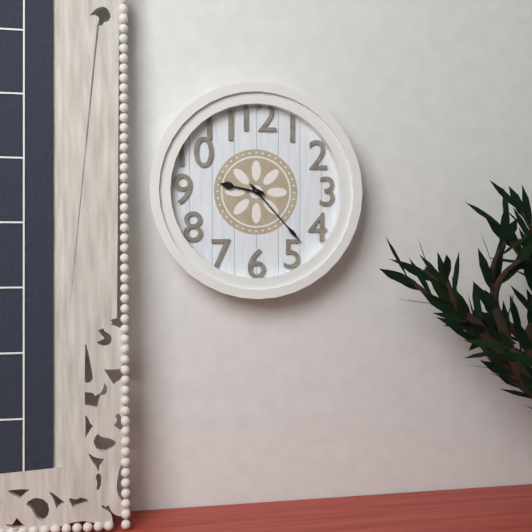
9:23
